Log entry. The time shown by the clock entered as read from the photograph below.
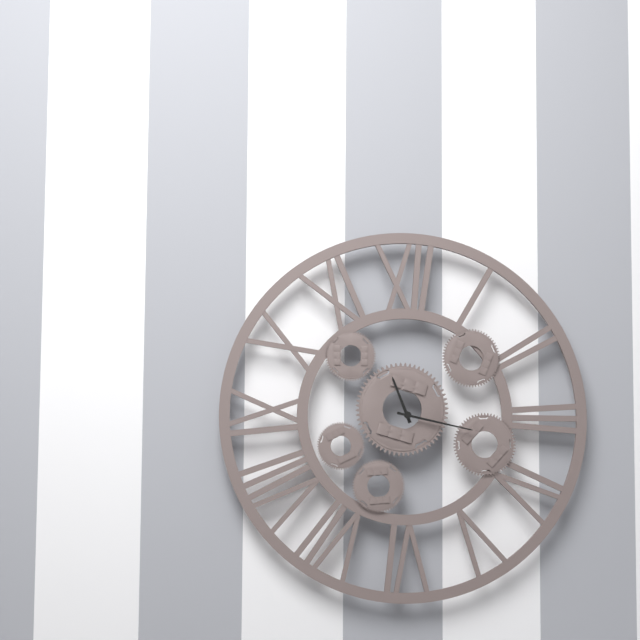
11:17
